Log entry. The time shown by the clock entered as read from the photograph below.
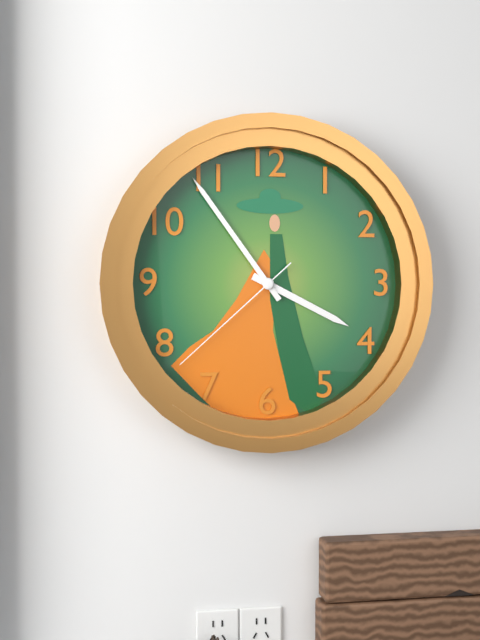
3:54:38
